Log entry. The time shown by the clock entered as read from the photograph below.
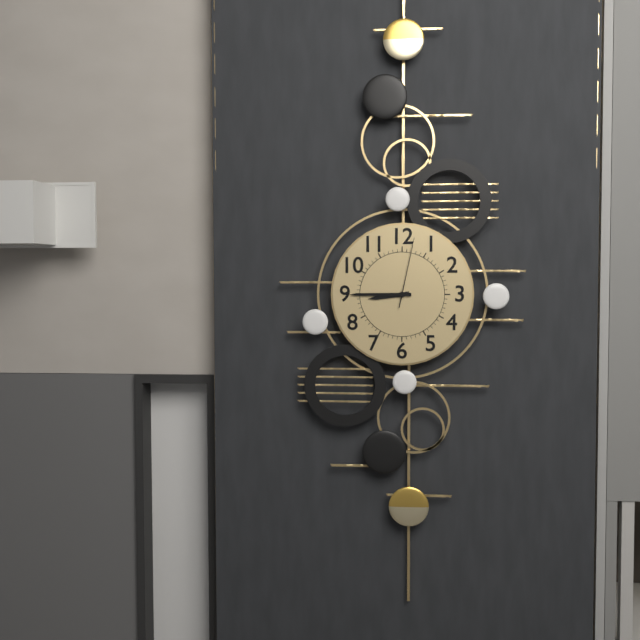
8:45:02
